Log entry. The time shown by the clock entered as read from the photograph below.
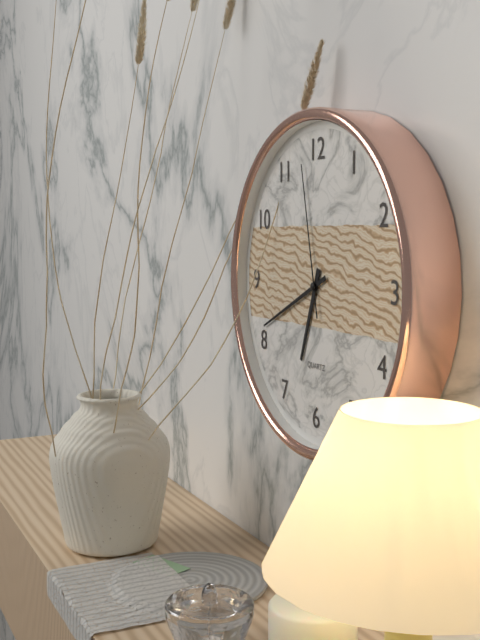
6:41:58
